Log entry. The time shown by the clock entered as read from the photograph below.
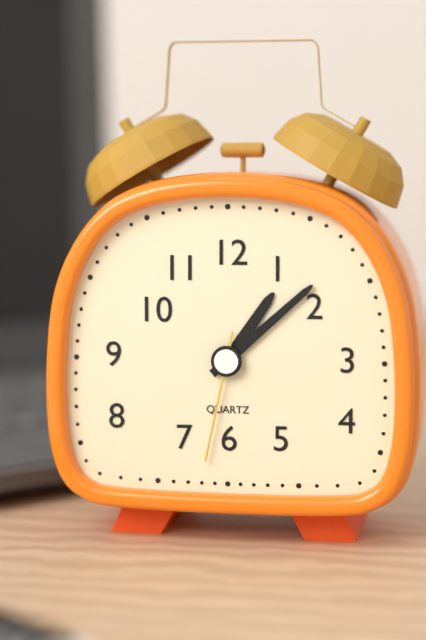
1:08:32
